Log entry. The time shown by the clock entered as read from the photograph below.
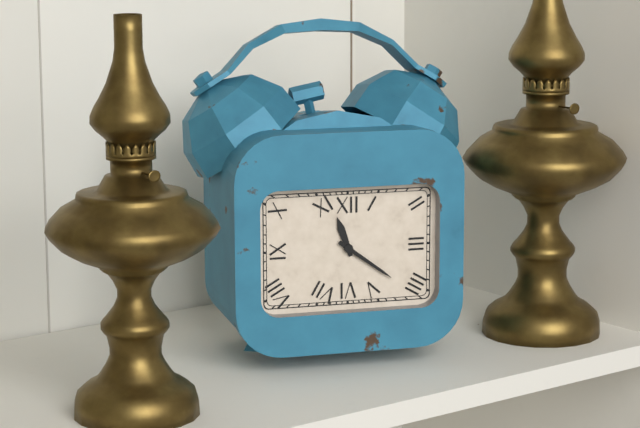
11:21
